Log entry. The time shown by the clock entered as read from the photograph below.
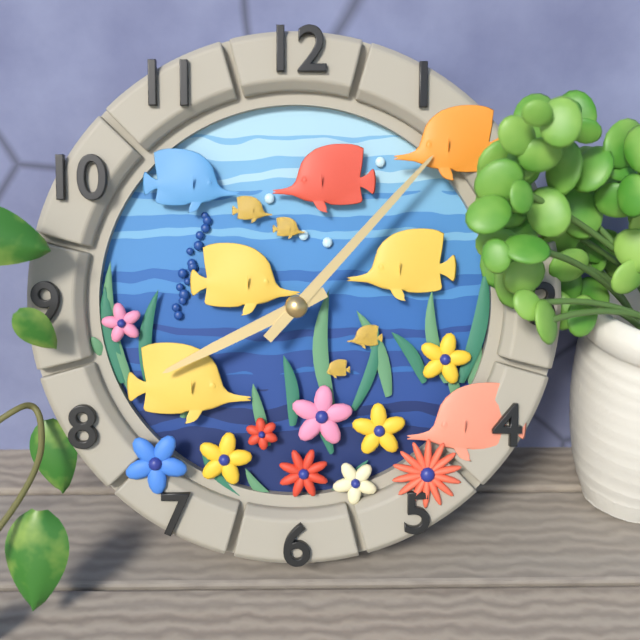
8:07
